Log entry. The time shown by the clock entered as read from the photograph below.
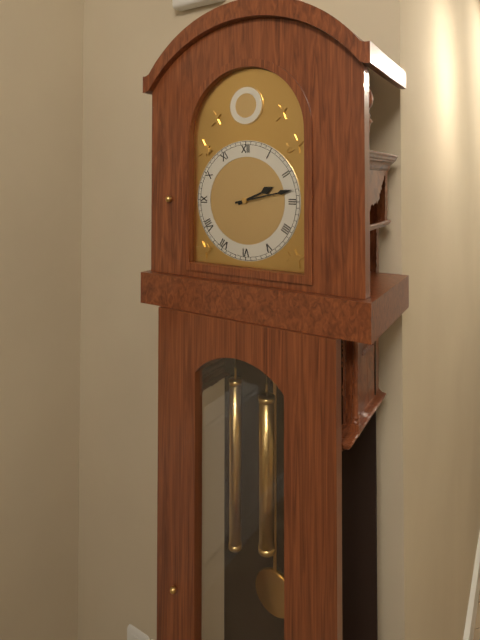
2:13
